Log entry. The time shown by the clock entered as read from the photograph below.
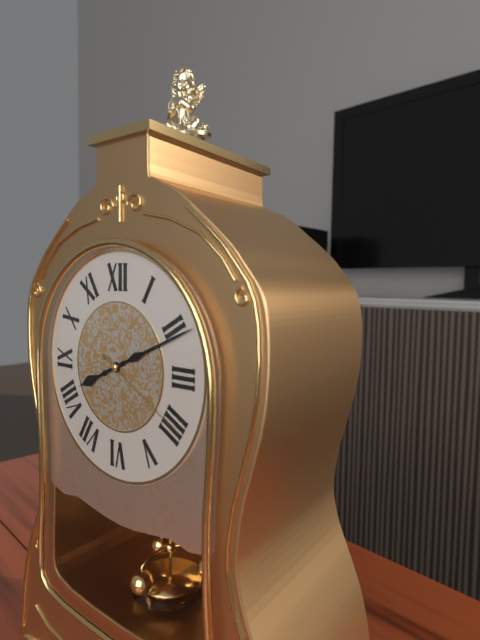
8:11:20
